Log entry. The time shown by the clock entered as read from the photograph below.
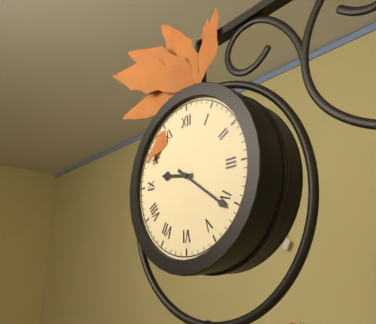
9:21
